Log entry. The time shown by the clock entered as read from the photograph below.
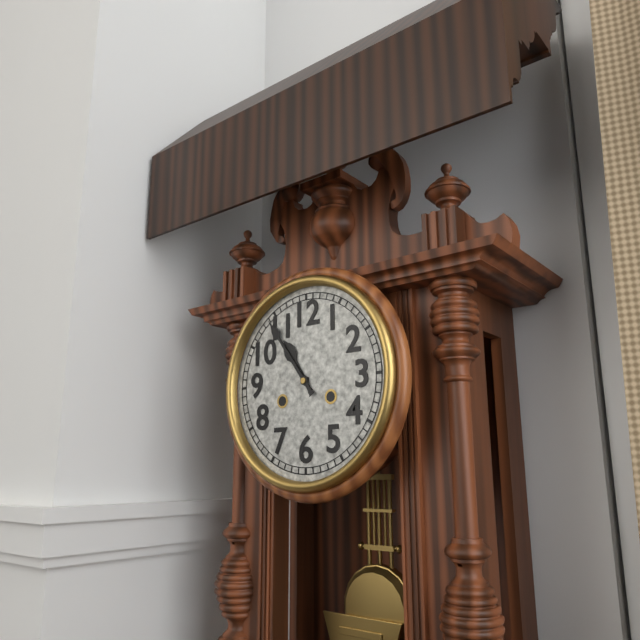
10:54
